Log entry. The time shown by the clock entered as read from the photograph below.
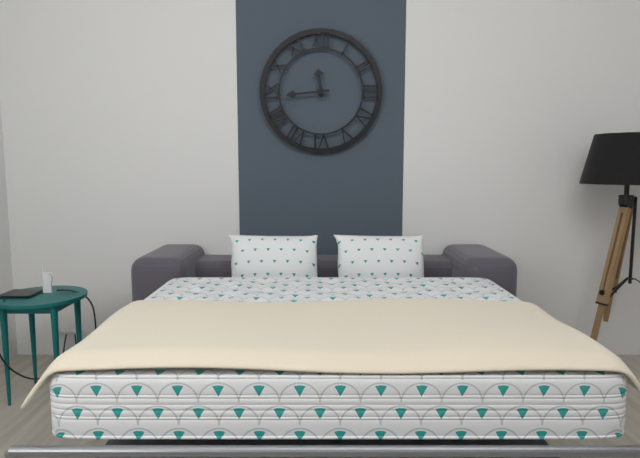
11:44
